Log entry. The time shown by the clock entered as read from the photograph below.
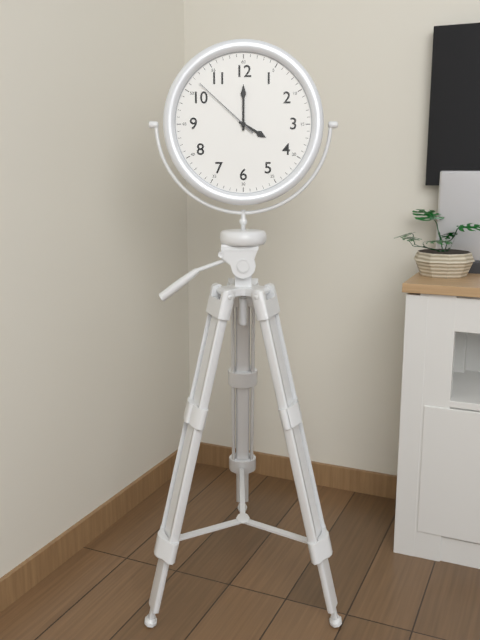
4:00:52
